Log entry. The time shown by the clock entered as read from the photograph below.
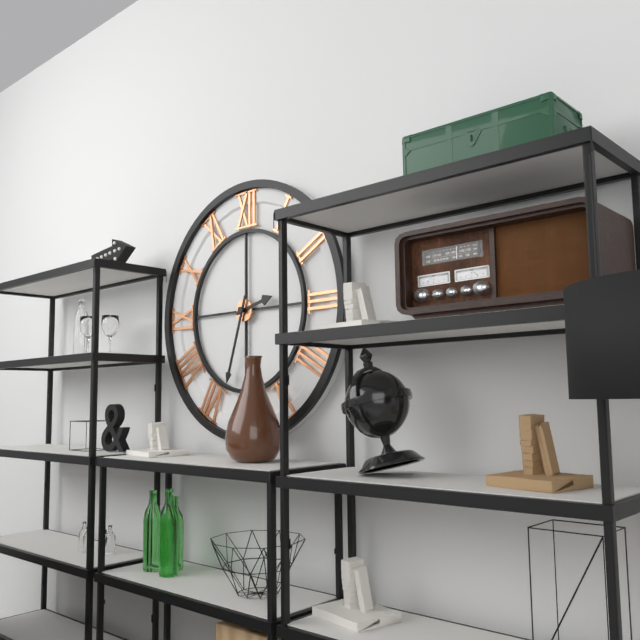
2:33
